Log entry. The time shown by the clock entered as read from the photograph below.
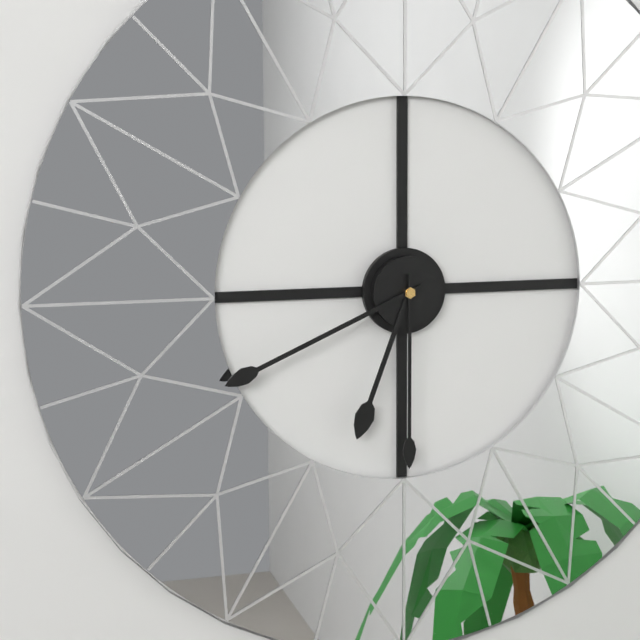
6:41:30
